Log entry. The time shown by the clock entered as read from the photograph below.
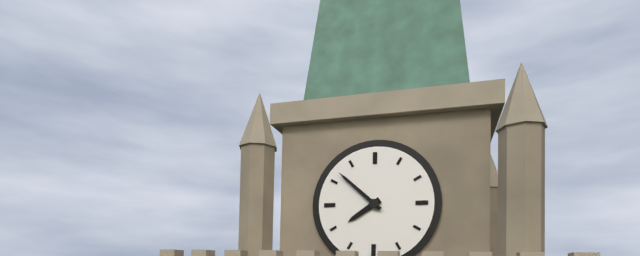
7:52
